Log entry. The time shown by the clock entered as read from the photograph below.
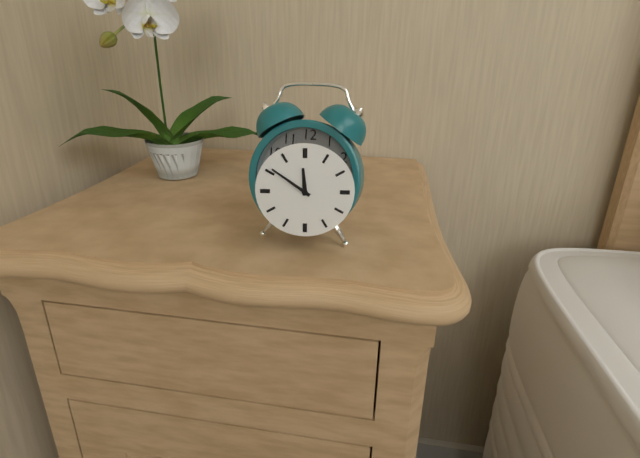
11:51
